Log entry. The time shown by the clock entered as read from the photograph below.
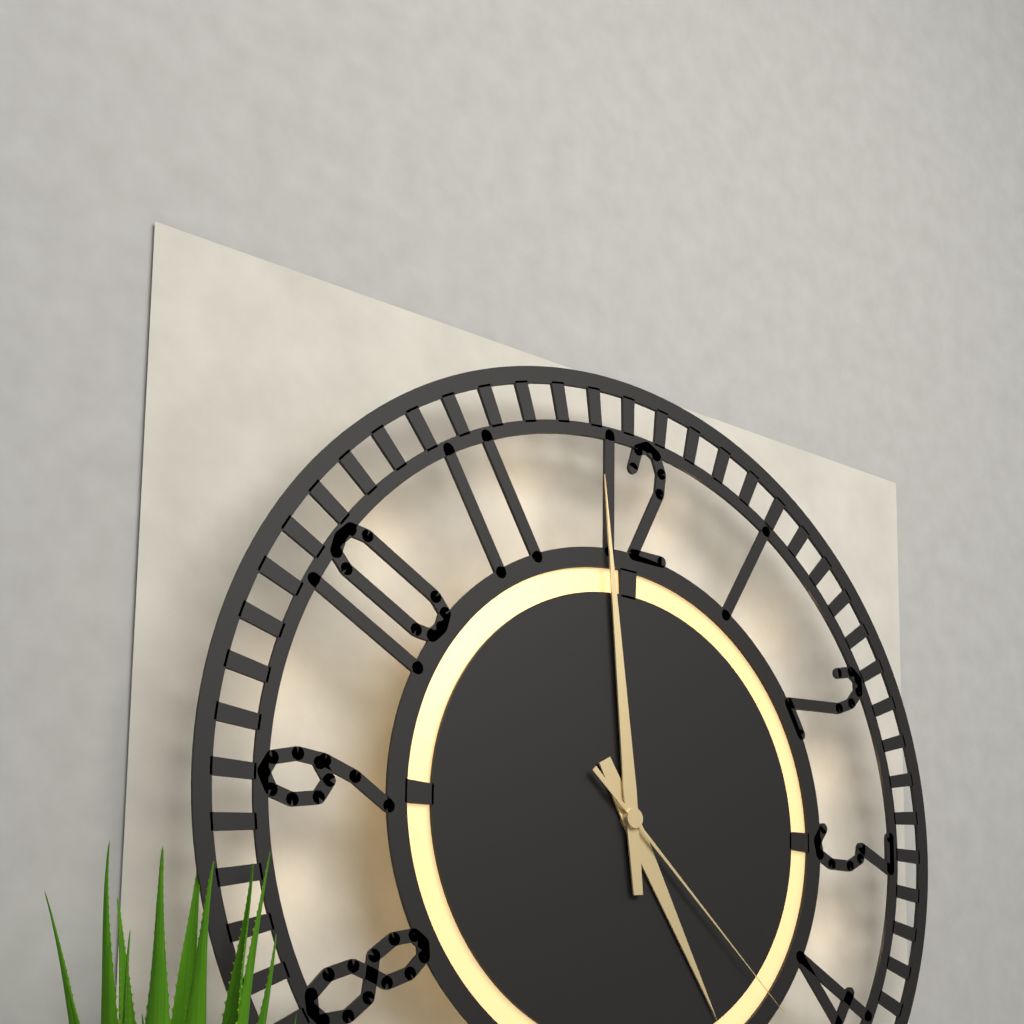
4:59:22
